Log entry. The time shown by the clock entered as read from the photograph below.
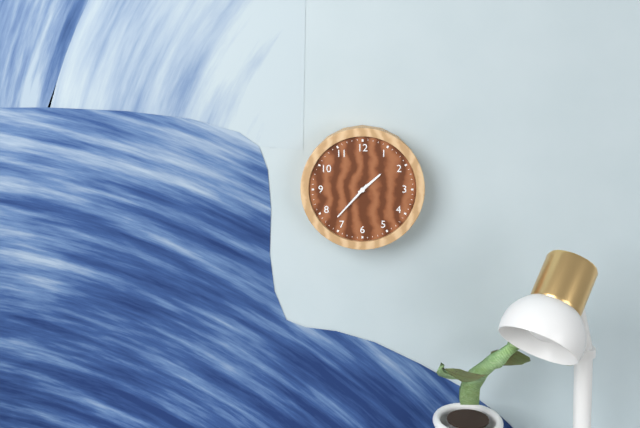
1:37
